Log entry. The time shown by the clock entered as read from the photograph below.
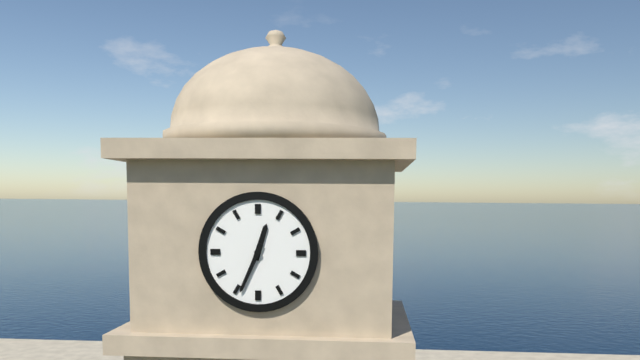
12:34
